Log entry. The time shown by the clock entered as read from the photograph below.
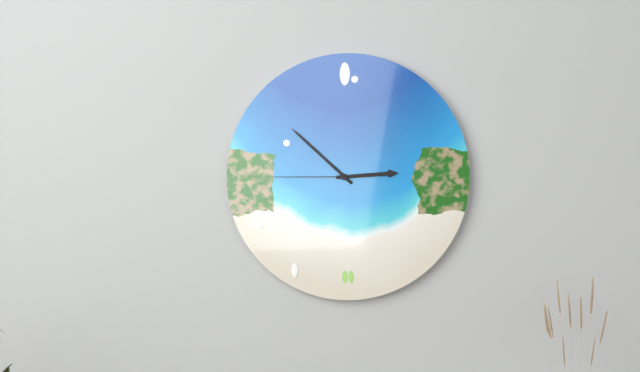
2:52:45
